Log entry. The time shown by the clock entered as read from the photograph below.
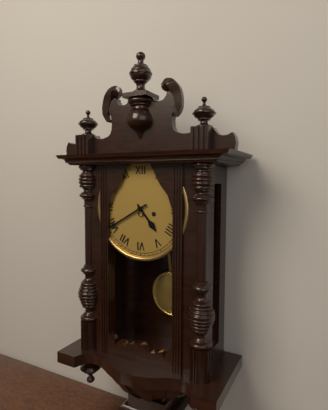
4:40
